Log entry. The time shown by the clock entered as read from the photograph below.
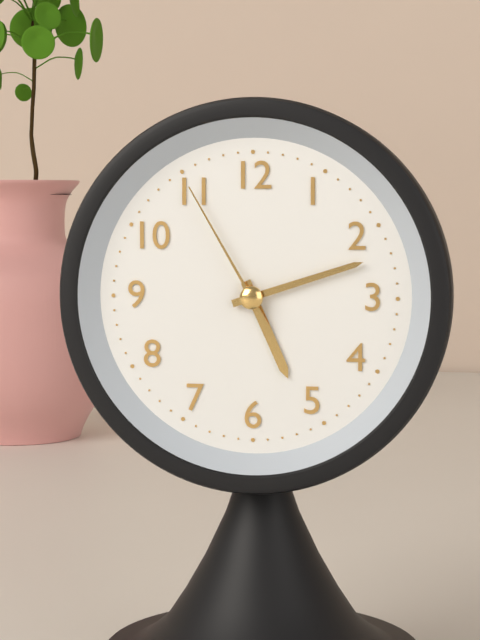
5:12:55
